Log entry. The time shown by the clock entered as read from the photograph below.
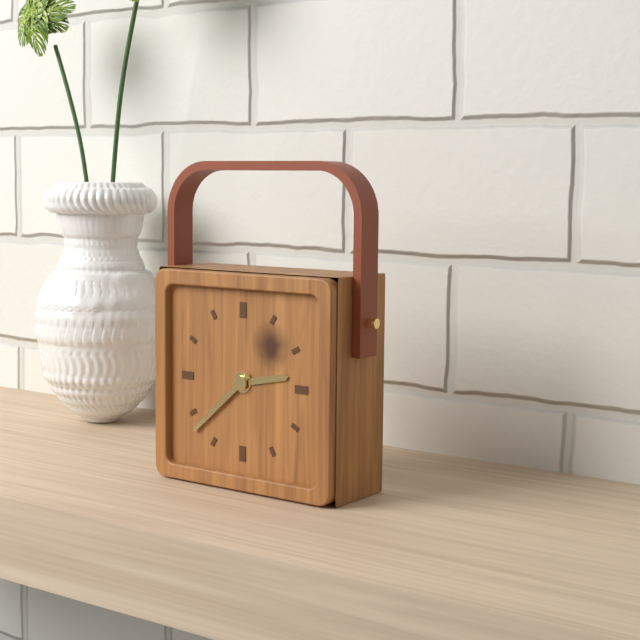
2:38
